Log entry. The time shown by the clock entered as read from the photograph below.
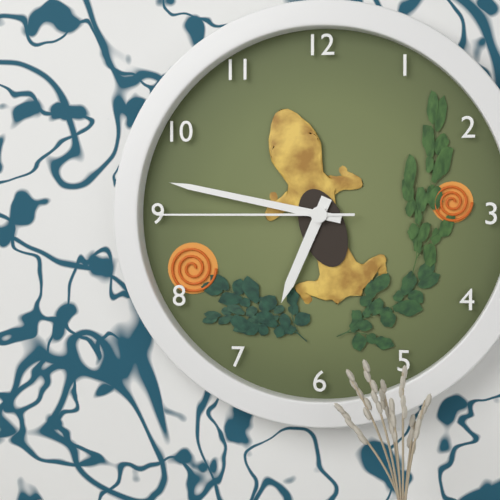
6:47:45
